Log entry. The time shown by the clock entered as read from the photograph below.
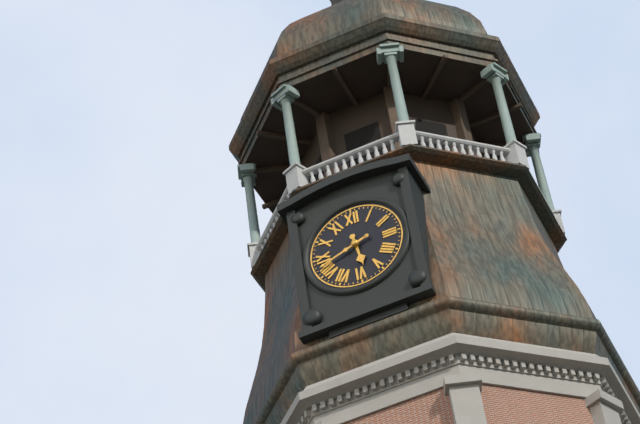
5:42
